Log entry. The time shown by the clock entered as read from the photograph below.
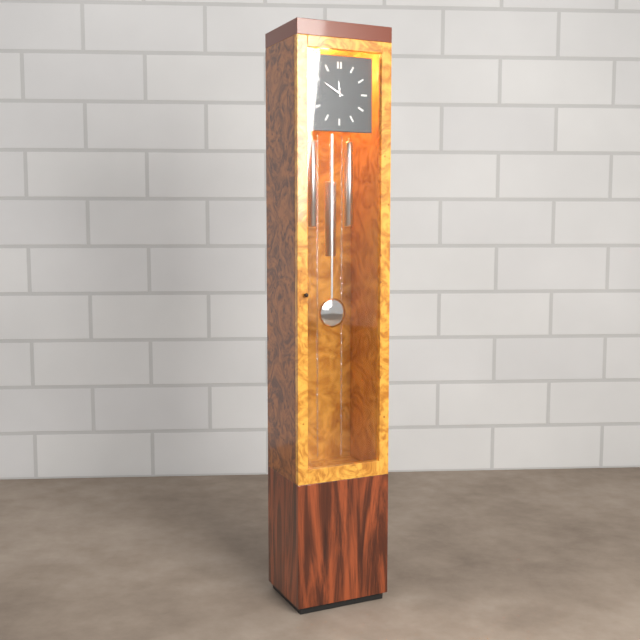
11:50
